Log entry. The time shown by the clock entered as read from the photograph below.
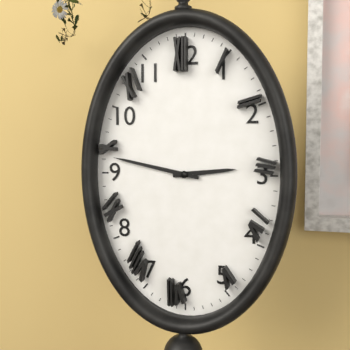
2:47
